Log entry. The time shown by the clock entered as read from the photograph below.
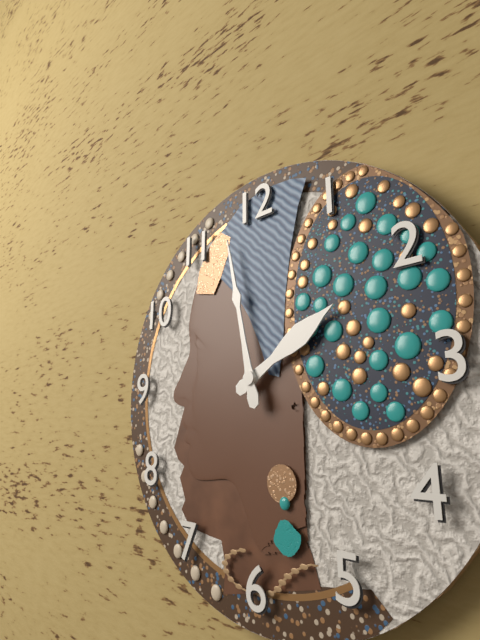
1:58
